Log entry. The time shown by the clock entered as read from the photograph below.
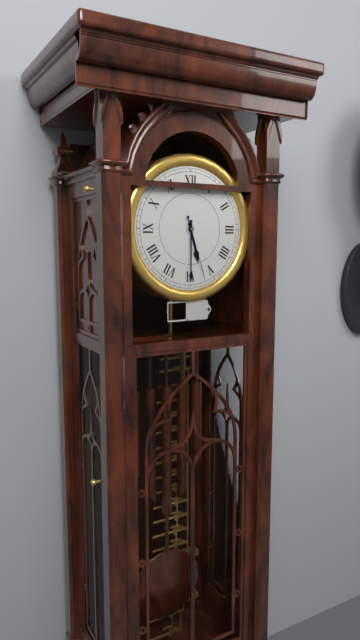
5:30:27
